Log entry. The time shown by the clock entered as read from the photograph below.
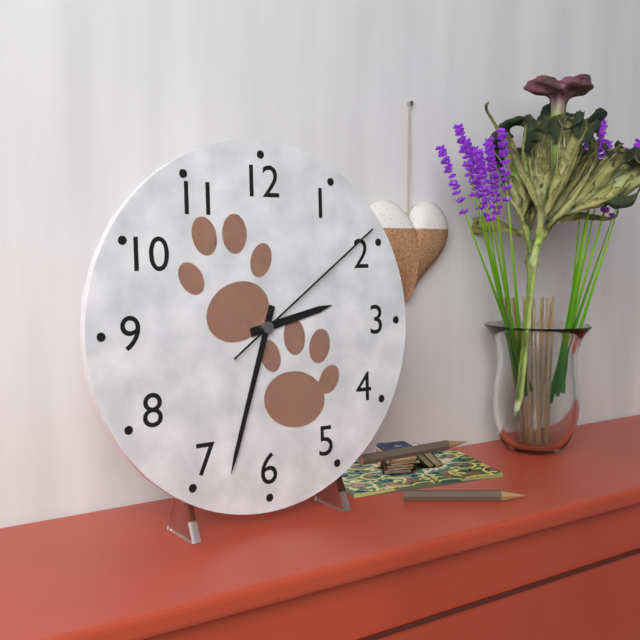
2:33:09
